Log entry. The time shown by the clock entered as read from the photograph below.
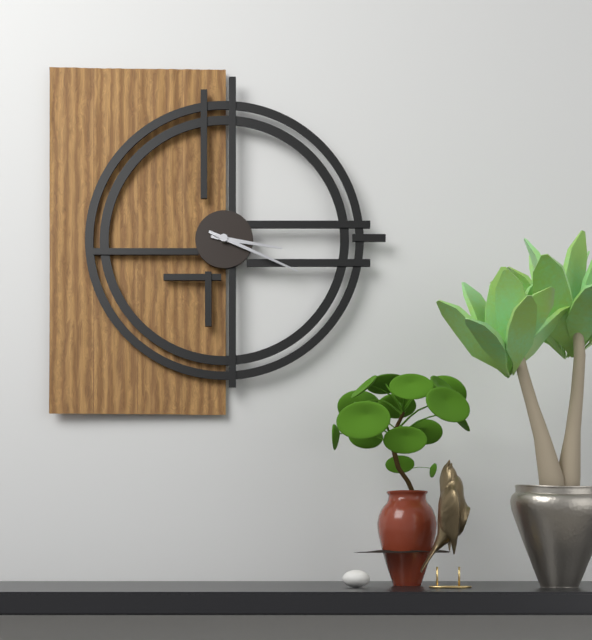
3:19
